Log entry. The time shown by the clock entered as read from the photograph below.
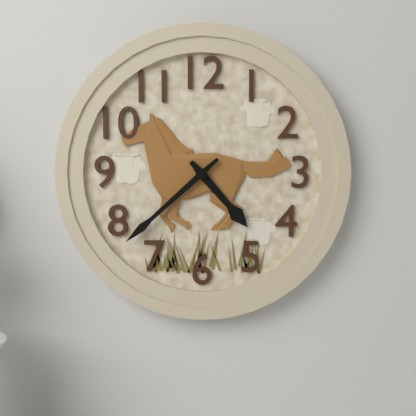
4:38
